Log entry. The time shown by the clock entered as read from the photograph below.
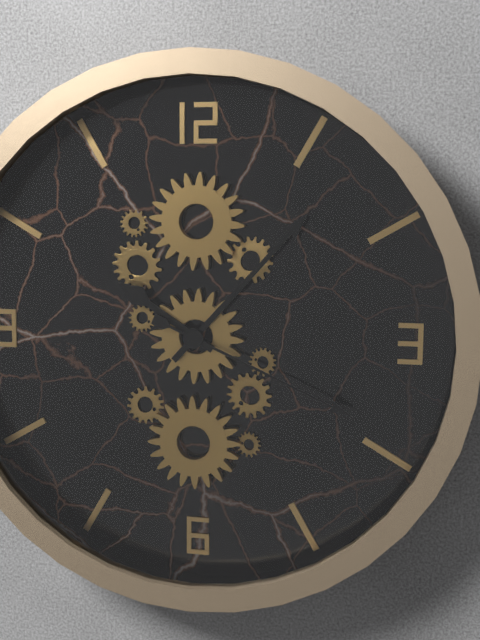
10:07:19
